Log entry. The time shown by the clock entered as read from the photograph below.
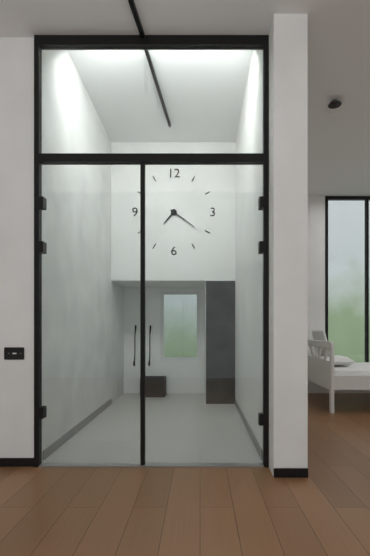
7:21
